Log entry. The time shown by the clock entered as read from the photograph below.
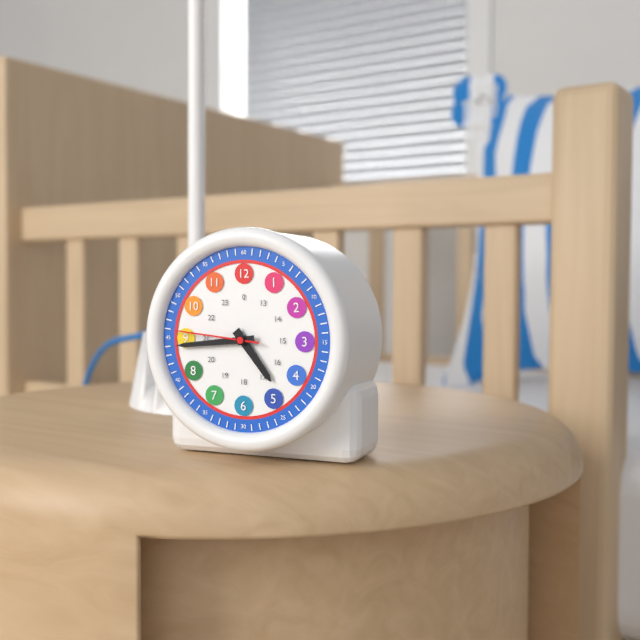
4:44:46
